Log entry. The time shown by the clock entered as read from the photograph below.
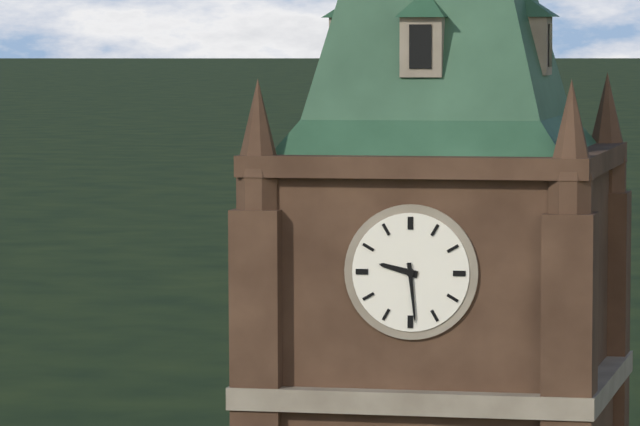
9:29
